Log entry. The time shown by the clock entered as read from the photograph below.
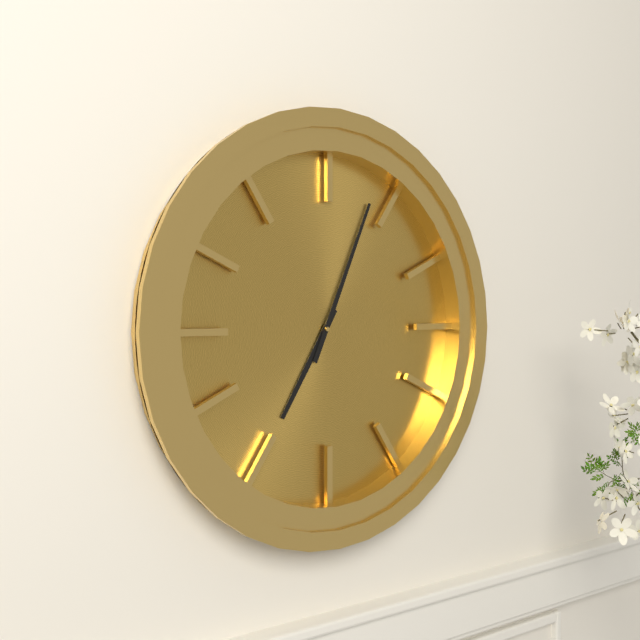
7:04
